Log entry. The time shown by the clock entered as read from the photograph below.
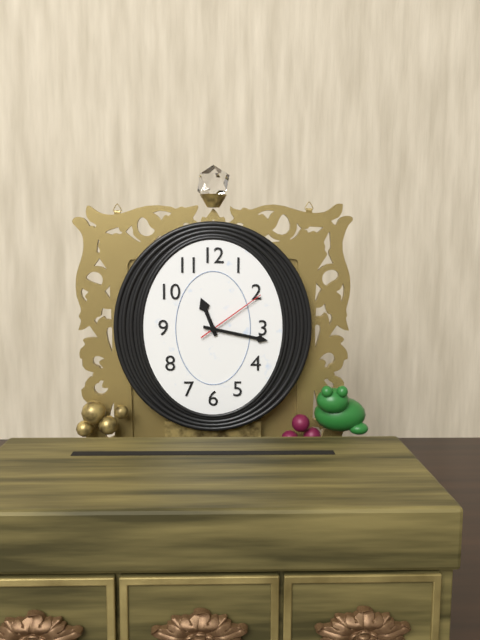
11:17:09
